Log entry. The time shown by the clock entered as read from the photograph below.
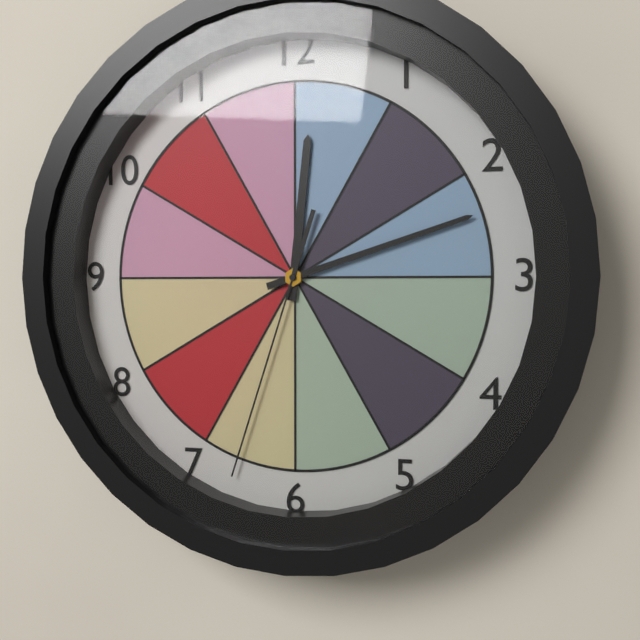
12:12:33
